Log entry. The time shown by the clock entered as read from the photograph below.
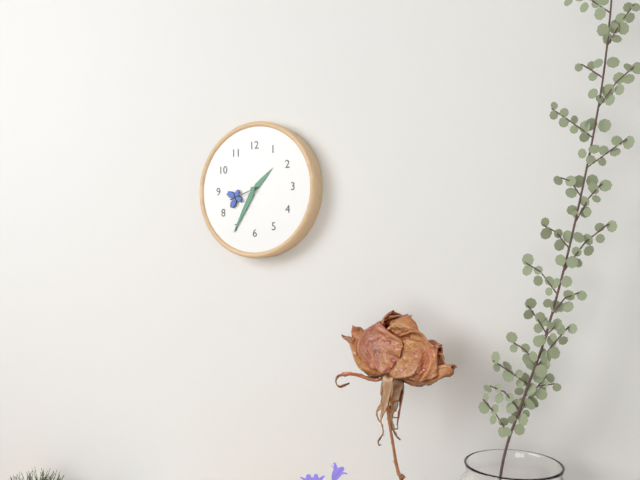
1:35
